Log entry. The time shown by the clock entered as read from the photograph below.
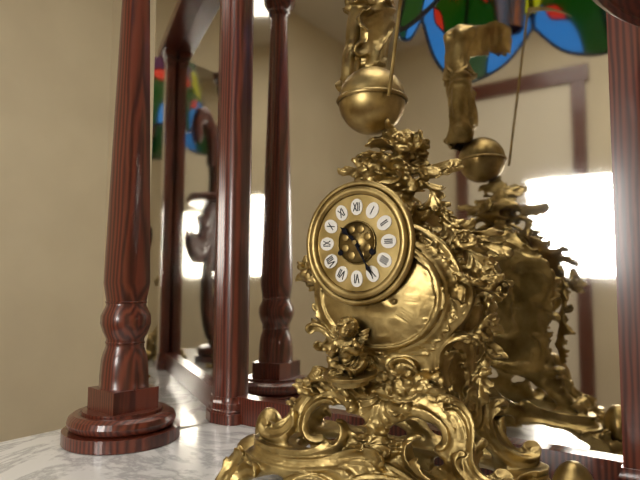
10:25
